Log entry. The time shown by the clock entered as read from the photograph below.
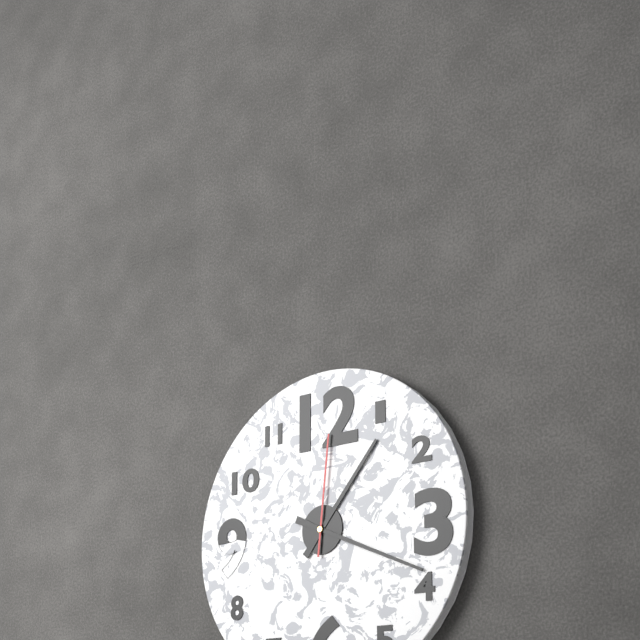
1:19:01
